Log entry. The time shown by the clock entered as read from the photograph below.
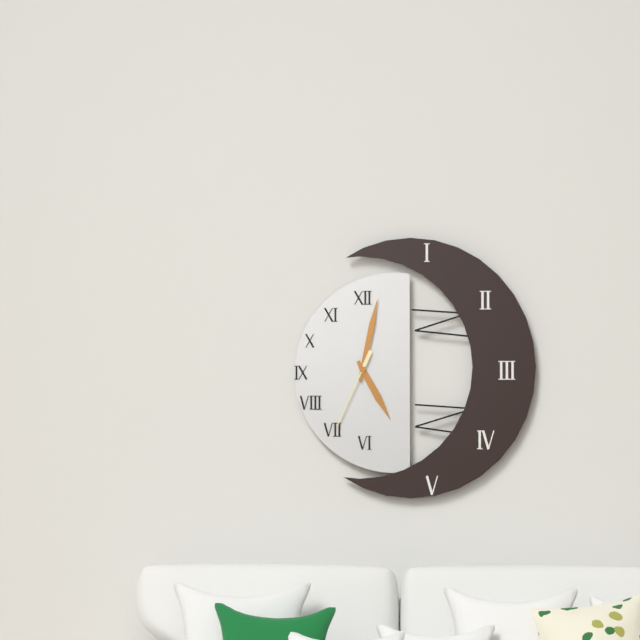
5:02:34
